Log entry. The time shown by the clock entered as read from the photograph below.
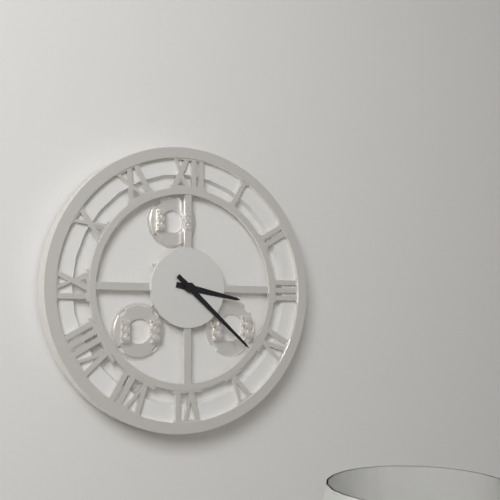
3:22
